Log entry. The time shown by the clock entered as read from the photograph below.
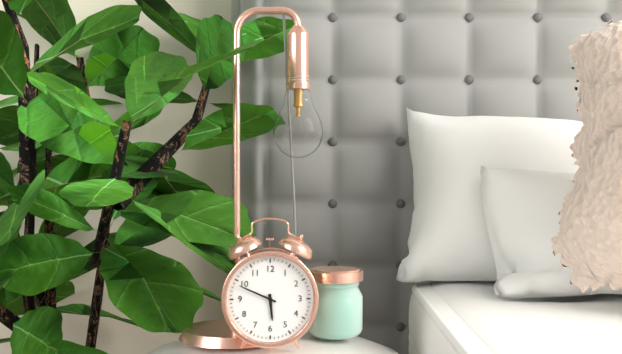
5:49
